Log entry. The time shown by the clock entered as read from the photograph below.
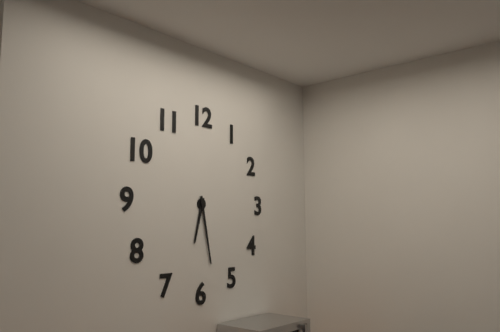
6:28
